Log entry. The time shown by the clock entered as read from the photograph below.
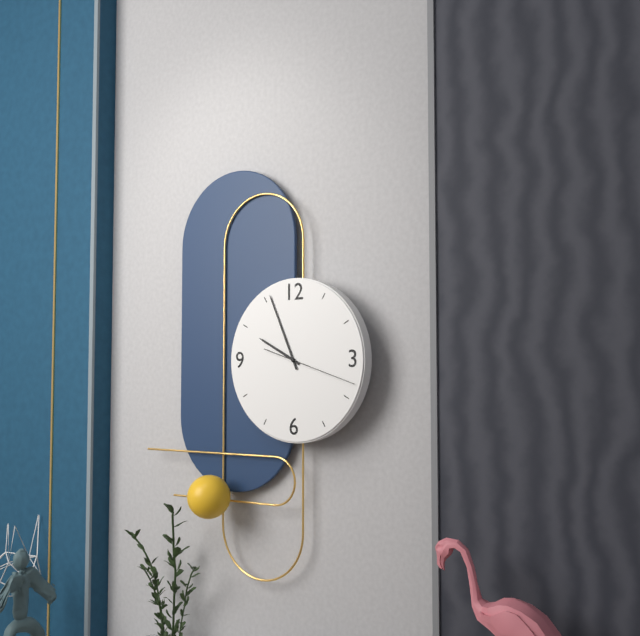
9:56:18
